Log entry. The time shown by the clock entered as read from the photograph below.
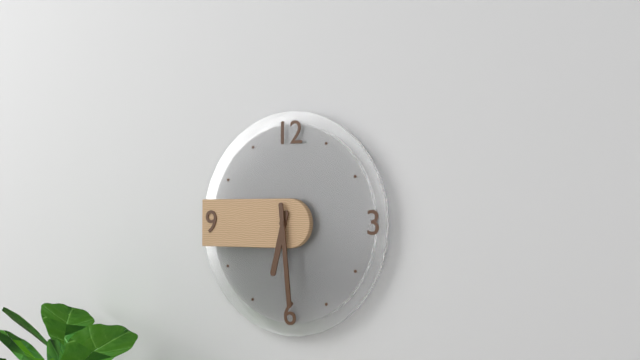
6:29
